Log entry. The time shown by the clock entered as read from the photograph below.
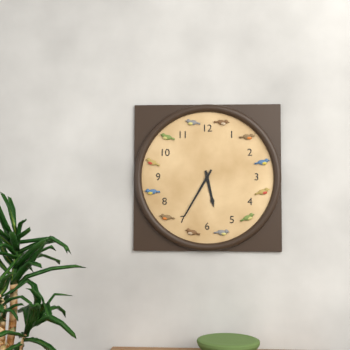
5:35
